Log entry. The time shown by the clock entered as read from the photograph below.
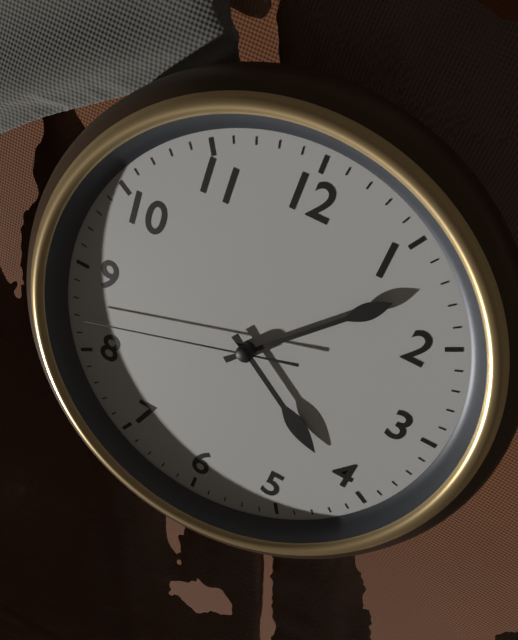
4:07:42
